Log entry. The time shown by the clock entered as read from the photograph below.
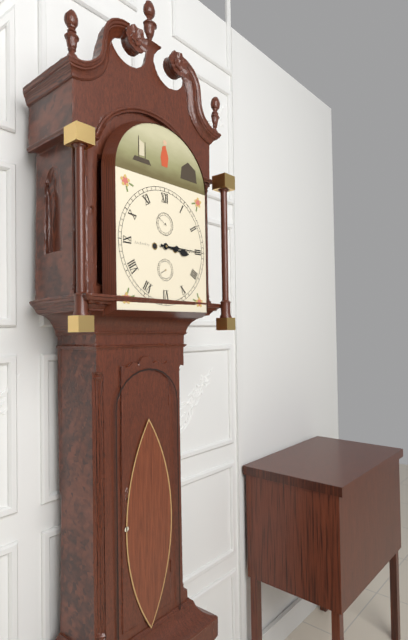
3:15
